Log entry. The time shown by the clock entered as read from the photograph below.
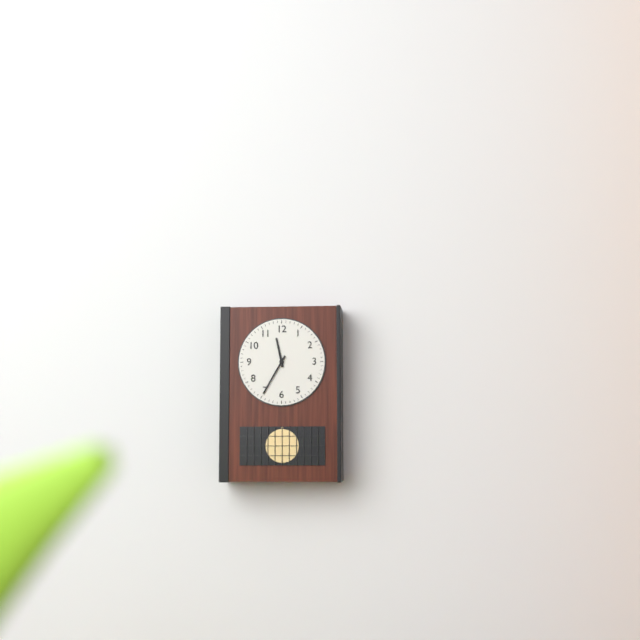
11:35
